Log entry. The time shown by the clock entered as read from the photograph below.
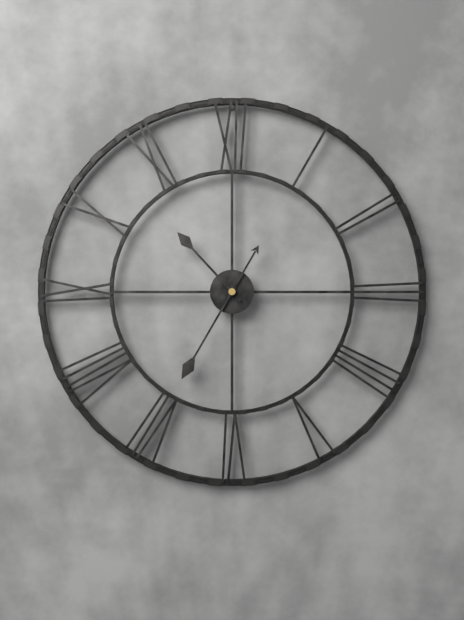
10:35
